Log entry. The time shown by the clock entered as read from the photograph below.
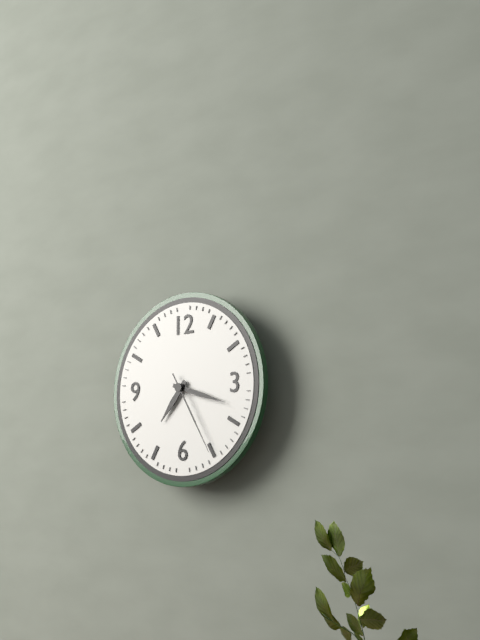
7:18:25
